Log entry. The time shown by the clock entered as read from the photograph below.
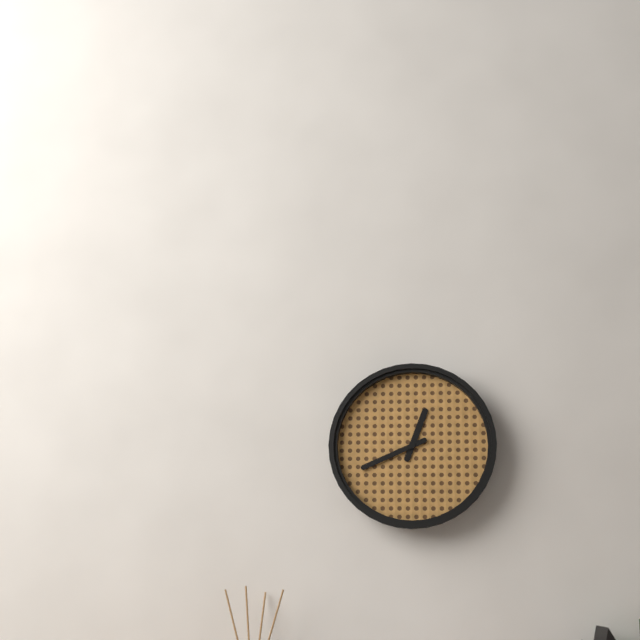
12:41
